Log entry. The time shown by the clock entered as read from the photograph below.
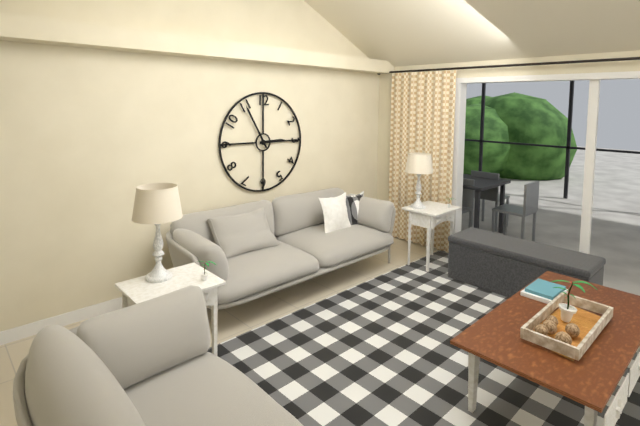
2:55
